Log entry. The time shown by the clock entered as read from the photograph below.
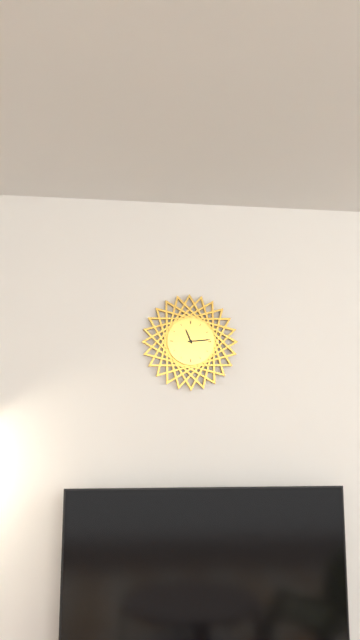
11:14
